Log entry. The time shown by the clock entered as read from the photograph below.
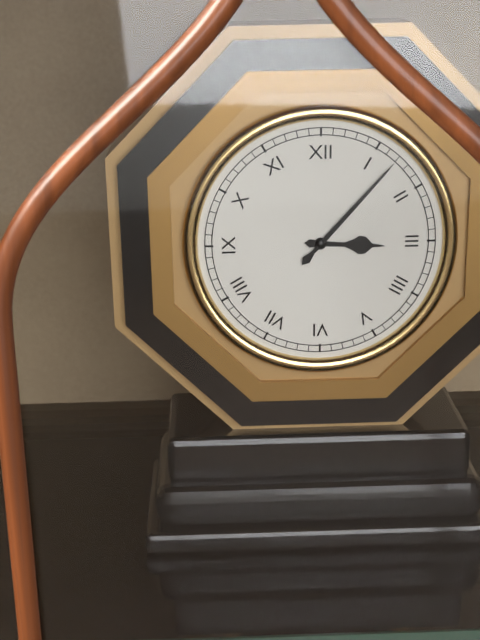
3:07
